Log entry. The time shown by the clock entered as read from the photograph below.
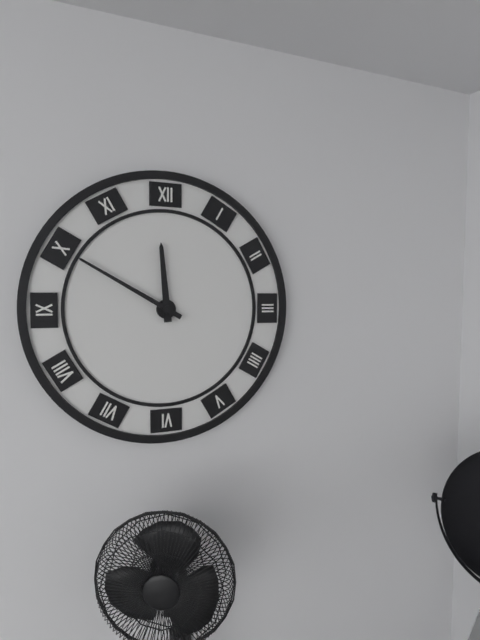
11:50
